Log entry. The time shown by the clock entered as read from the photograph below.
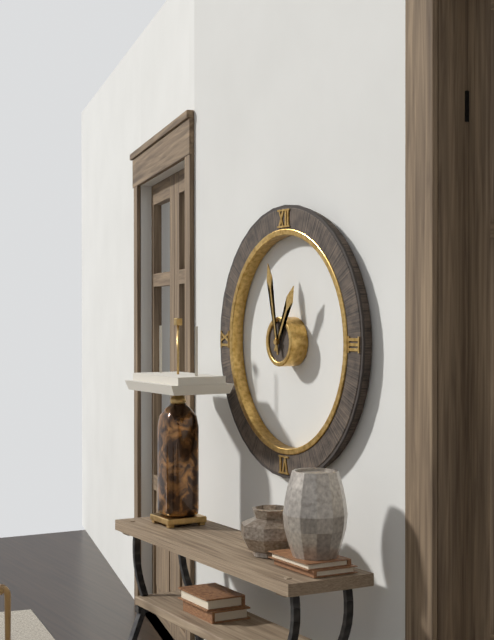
12:58
